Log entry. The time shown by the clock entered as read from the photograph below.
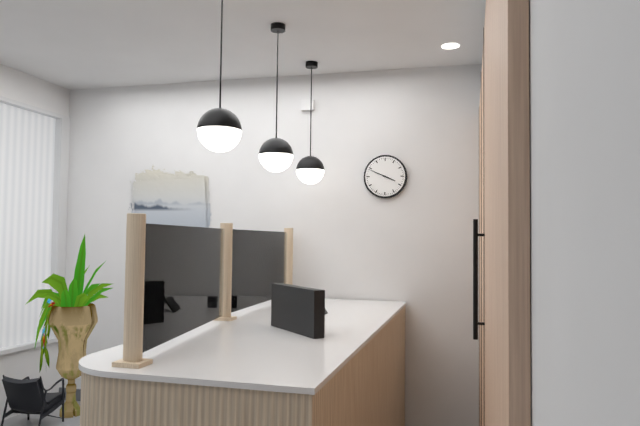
3:49
